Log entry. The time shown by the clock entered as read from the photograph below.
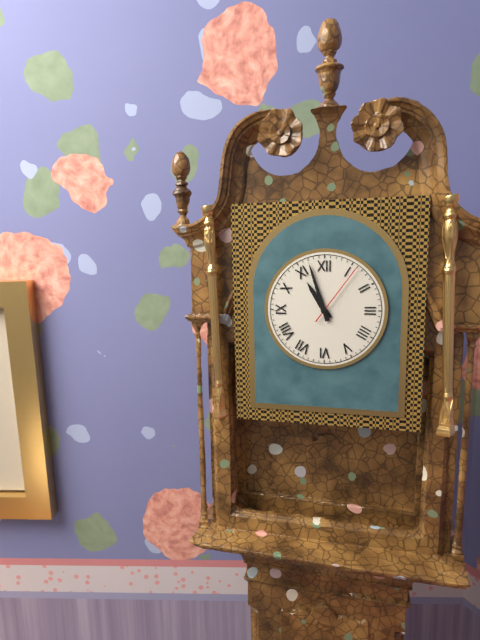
10:57:06
